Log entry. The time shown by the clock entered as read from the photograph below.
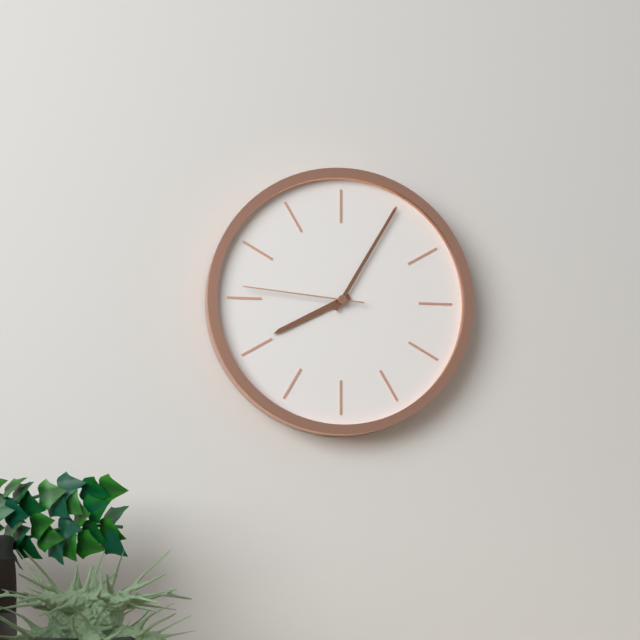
8:05:46
